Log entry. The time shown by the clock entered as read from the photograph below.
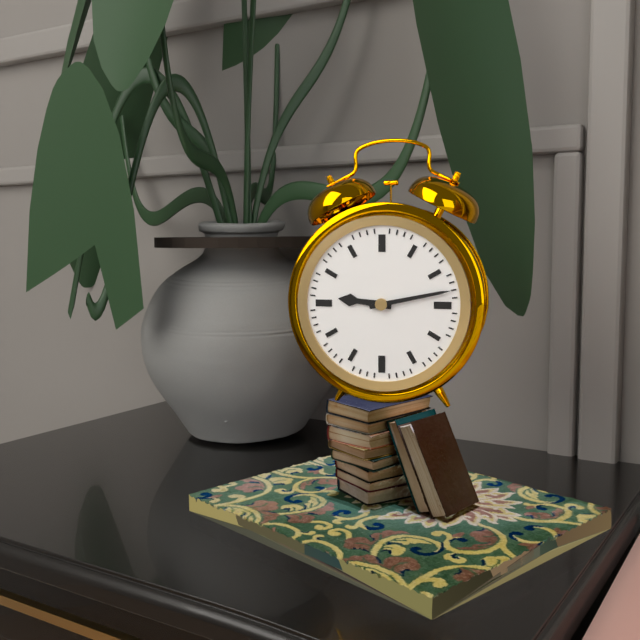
9:13
